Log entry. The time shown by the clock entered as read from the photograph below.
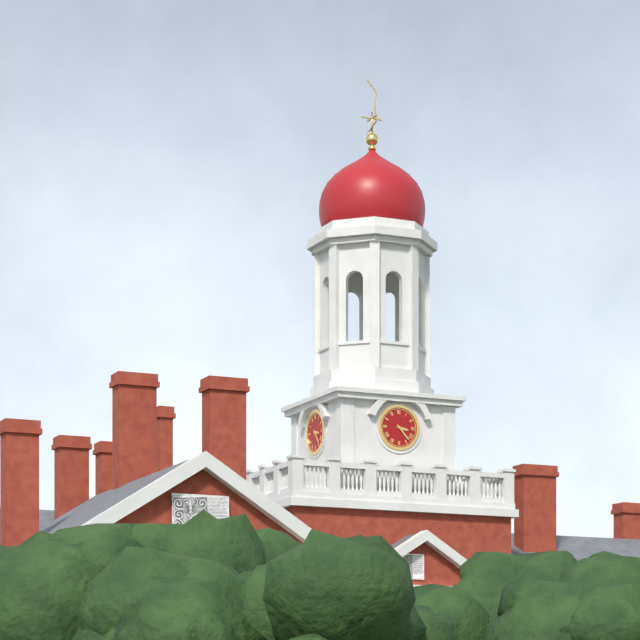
3:23
